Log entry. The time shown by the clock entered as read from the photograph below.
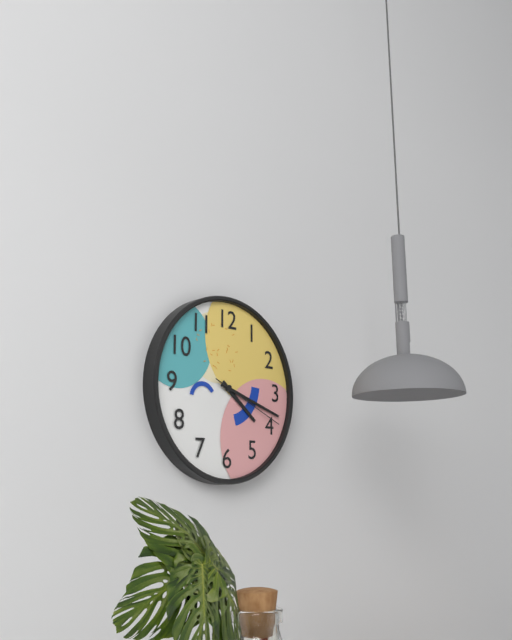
4:18:19
